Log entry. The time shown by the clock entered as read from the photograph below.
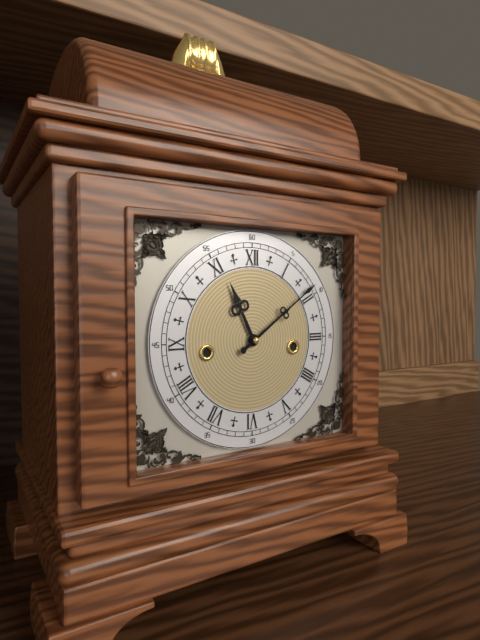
11:09
